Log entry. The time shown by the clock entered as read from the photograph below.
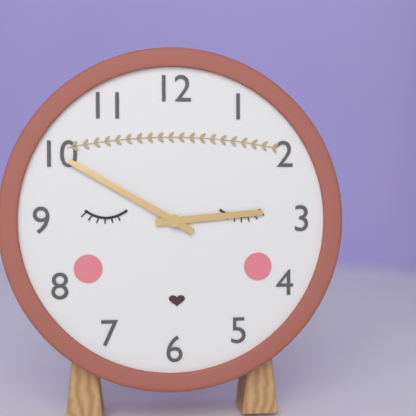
2:50
